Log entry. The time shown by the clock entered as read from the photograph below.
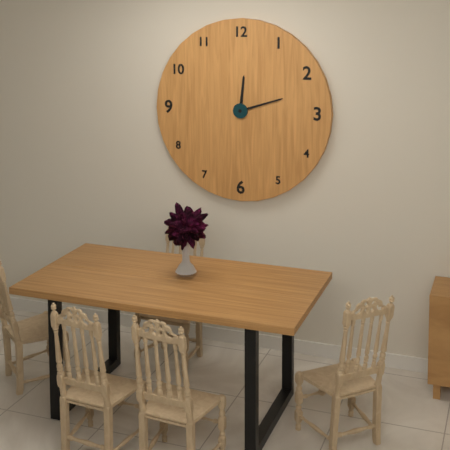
12:12
